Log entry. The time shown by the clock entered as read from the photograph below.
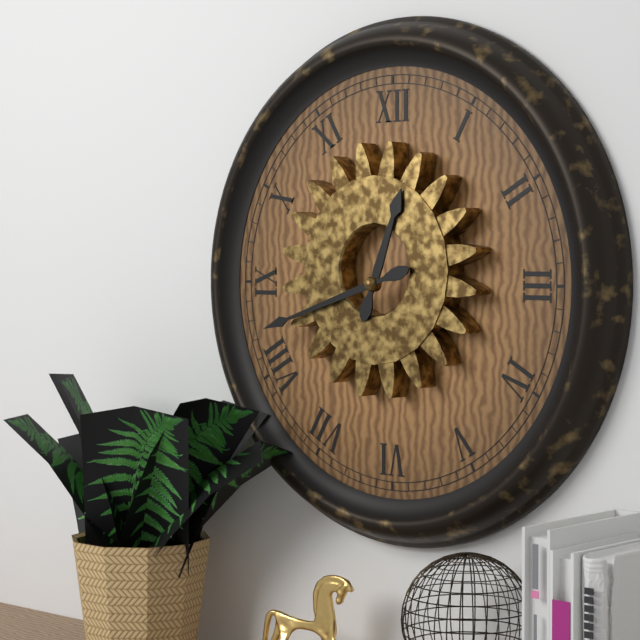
12:42
